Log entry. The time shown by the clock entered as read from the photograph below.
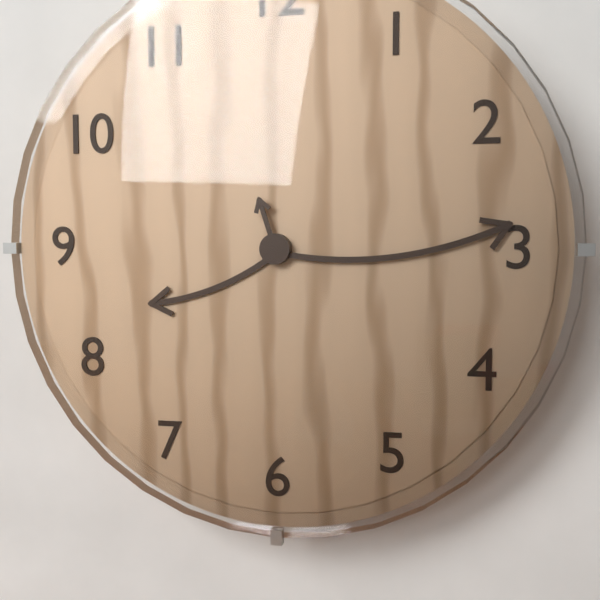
8:14:57
